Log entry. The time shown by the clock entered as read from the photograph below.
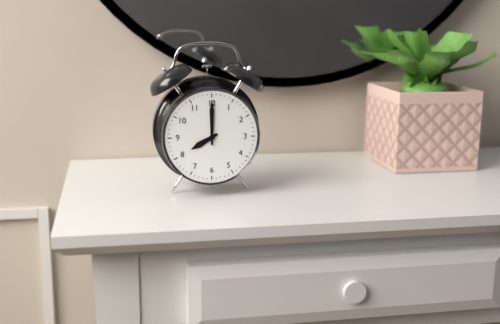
8:00
